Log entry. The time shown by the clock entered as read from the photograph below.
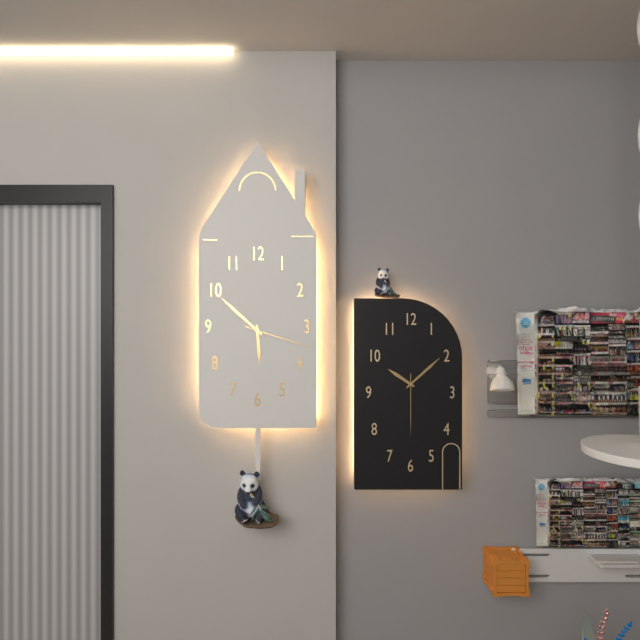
5:52:18
